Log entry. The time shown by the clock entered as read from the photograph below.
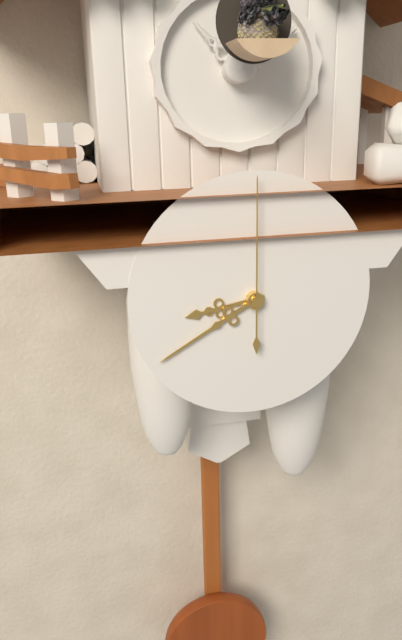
8:40:00
